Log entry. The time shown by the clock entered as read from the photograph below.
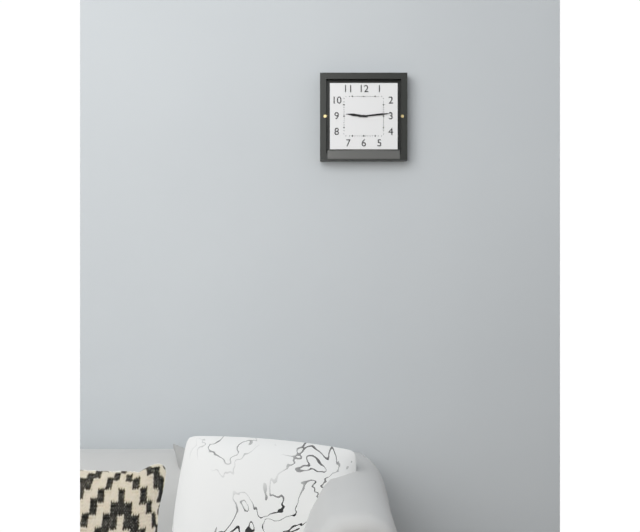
9:14
